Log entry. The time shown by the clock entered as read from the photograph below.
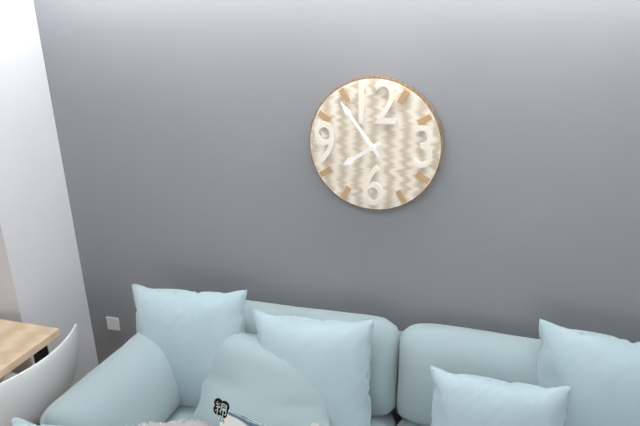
7:54
